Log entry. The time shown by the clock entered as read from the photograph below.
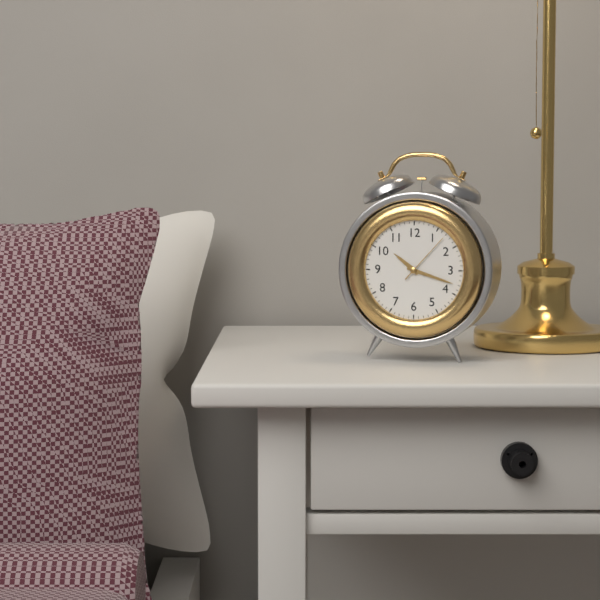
10:18:07
